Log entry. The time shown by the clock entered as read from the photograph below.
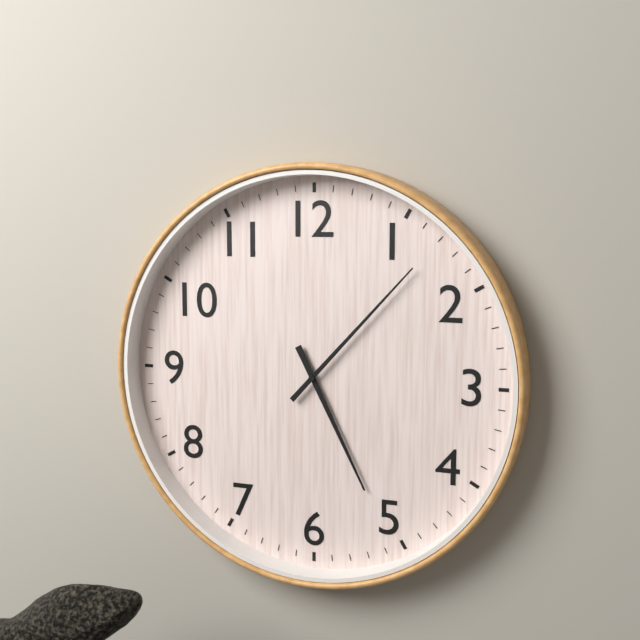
5:07
